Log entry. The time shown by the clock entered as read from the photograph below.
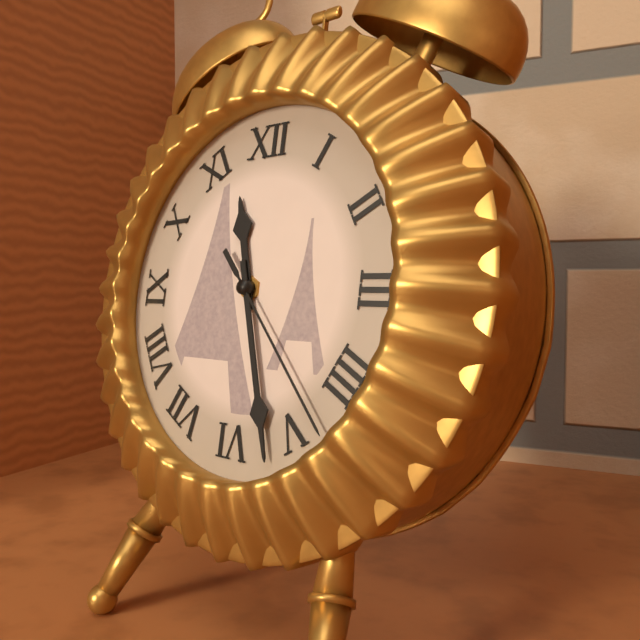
11:27:23
